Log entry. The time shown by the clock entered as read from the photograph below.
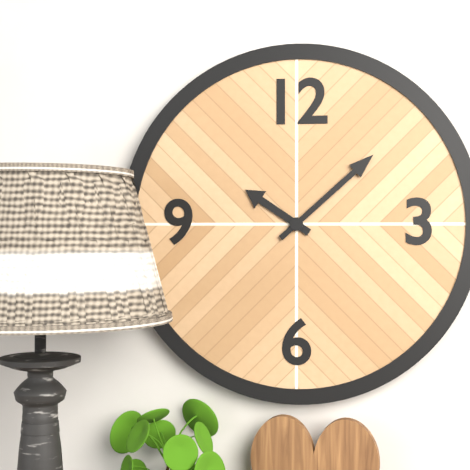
10:08
